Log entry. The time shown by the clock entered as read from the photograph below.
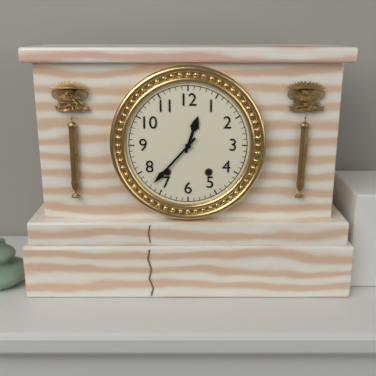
12:37
